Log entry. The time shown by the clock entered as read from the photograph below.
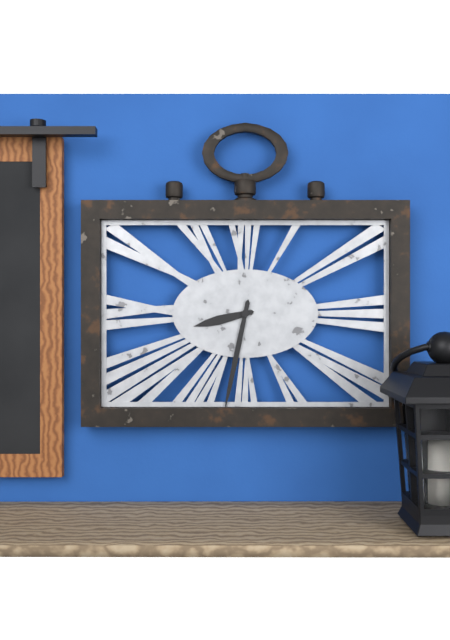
8:32
